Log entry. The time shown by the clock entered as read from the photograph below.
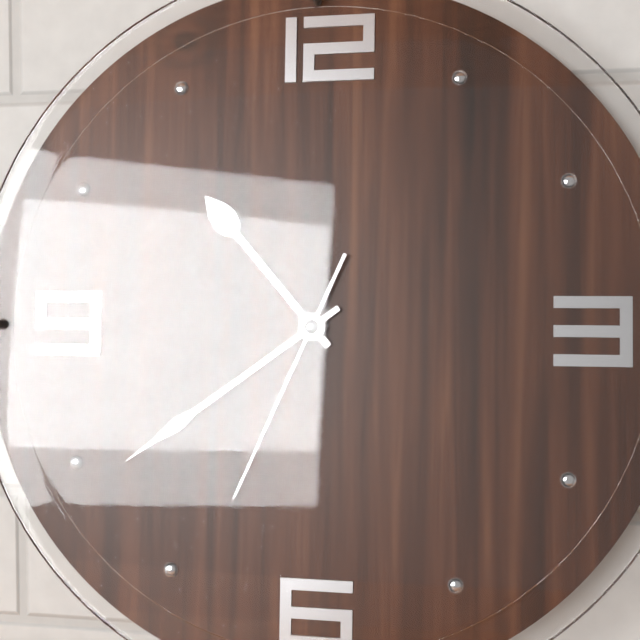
10:39:34
